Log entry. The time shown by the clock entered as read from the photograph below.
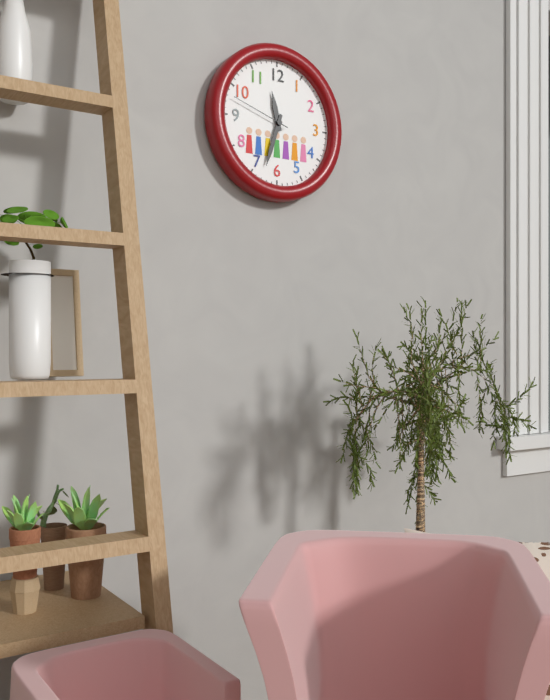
11:33:48
